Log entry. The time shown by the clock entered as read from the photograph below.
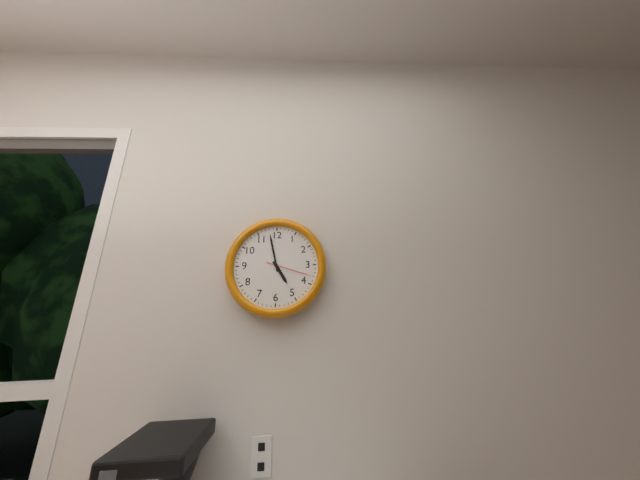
4:58
